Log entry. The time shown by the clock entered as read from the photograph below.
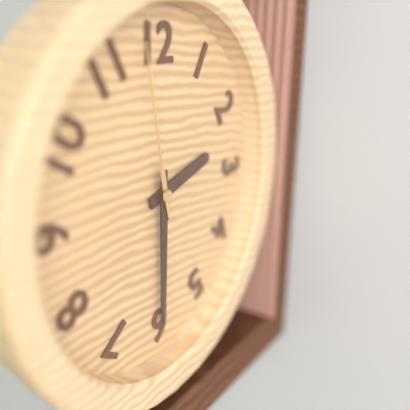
2:30:58
